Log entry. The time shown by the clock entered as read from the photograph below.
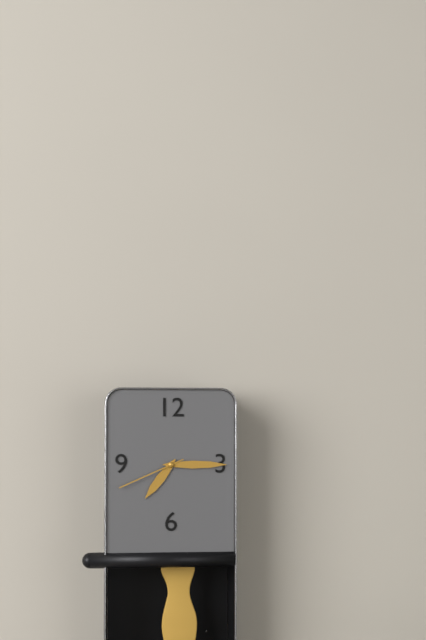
7:15:41
